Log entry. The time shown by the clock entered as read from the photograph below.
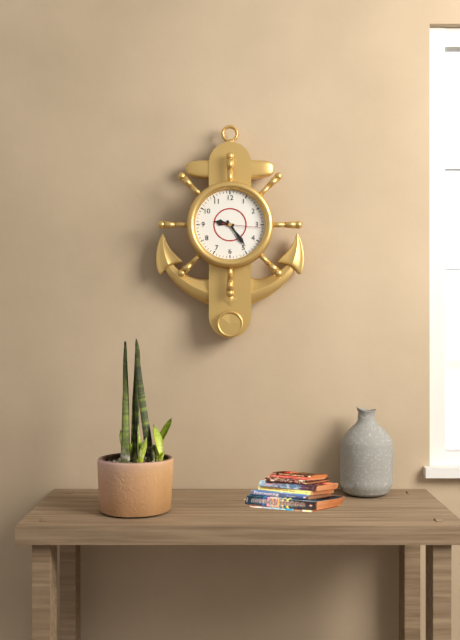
9:24
